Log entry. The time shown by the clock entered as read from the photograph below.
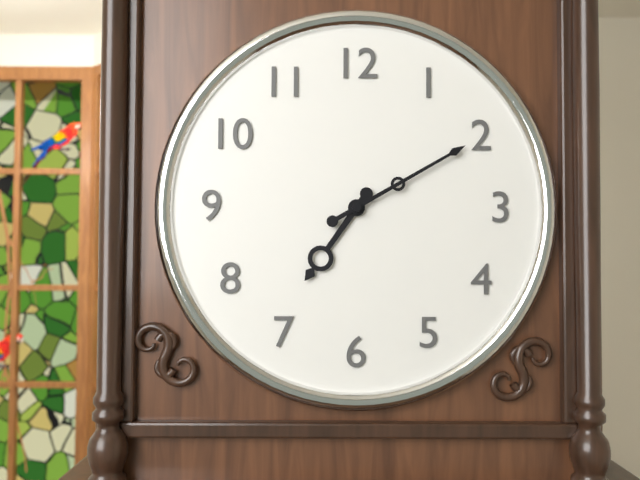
7:10
